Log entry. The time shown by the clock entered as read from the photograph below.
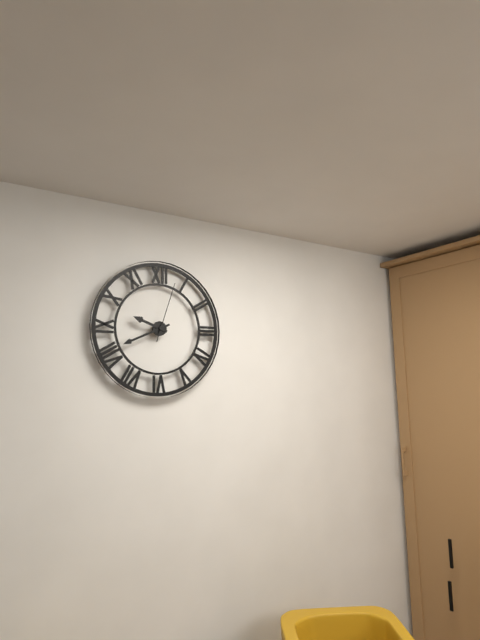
9:41:03
